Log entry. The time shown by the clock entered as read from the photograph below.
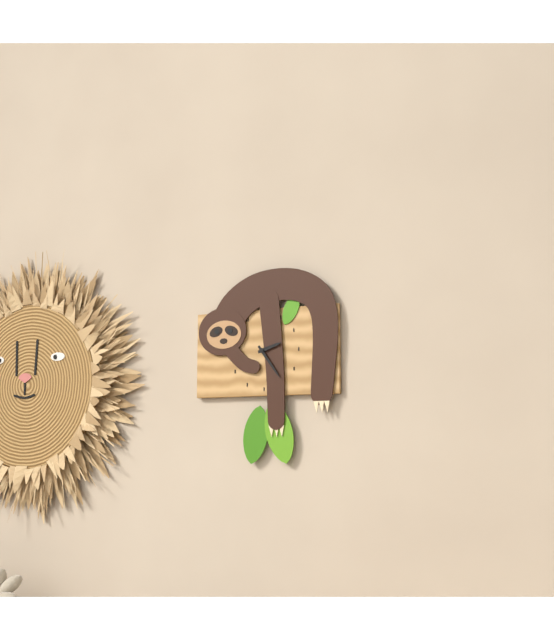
2:24
